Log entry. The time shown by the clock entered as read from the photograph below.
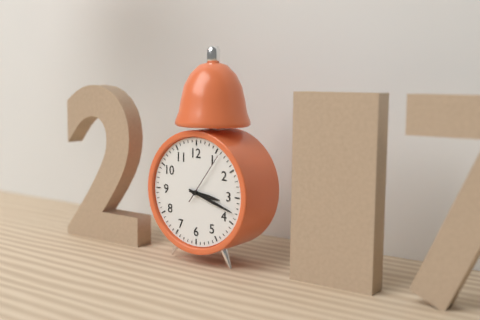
3:18:06
